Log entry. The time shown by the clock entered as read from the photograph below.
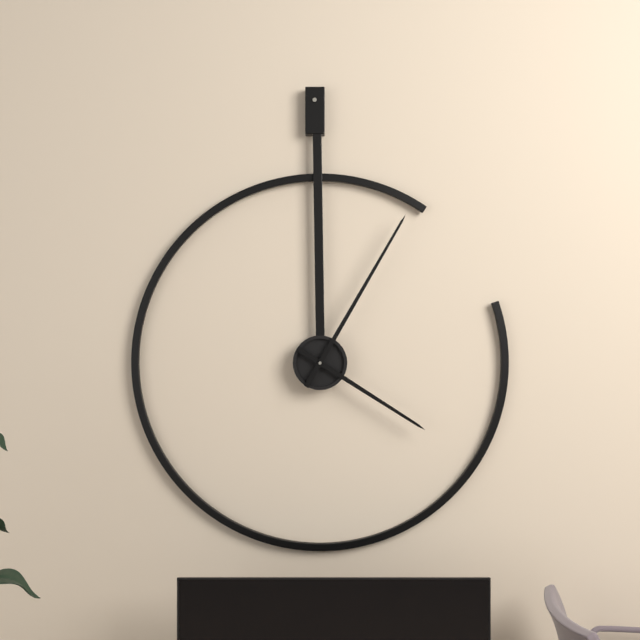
4:05
